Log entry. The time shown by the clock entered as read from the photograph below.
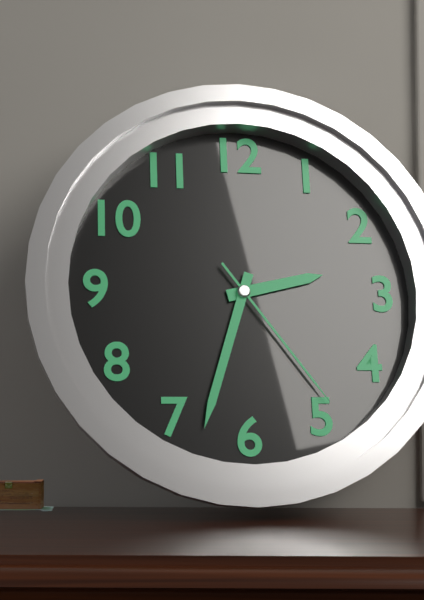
2:33:24
